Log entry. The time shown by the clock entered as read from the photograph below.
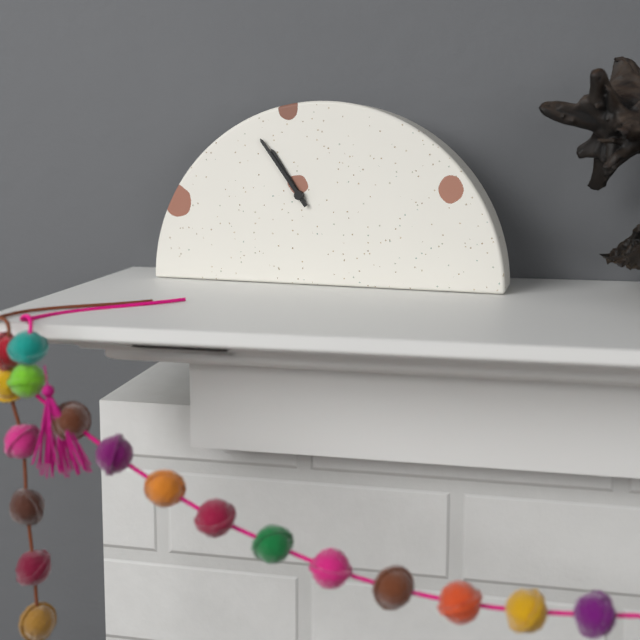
10:54
